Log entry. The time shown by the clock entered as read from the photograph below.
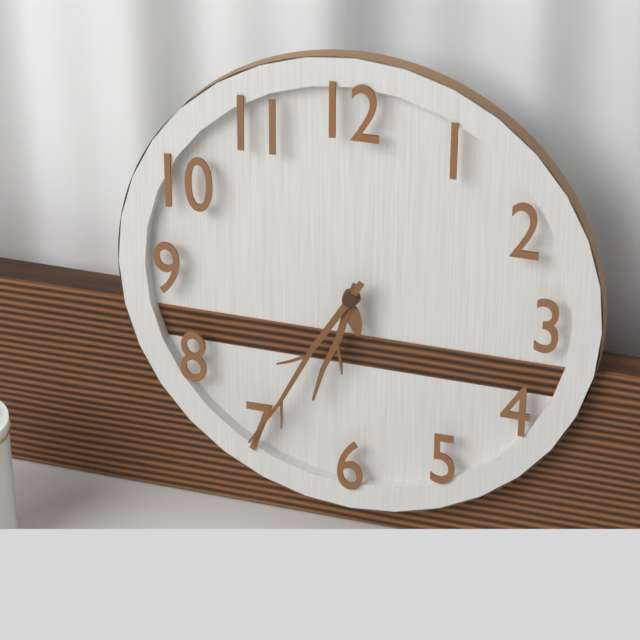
6:35
